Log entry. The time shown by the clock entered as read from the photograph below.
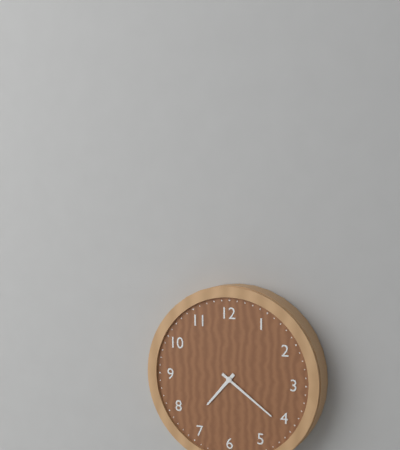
7:21
